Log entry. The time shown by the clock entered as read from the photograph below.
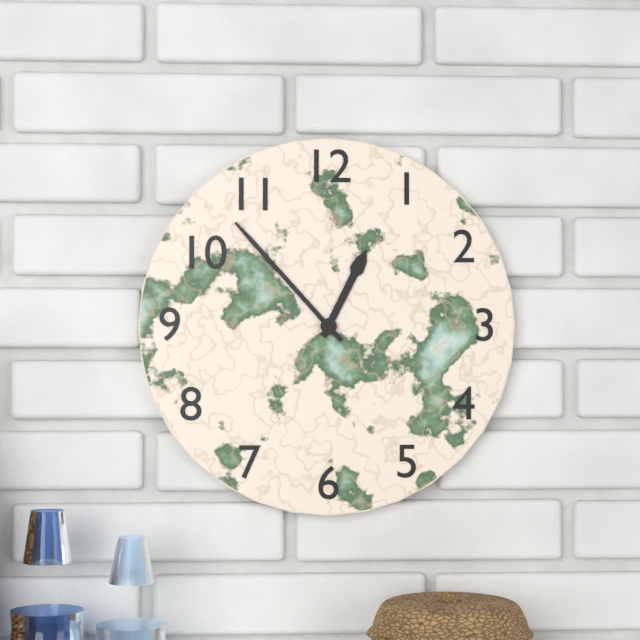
12:53
